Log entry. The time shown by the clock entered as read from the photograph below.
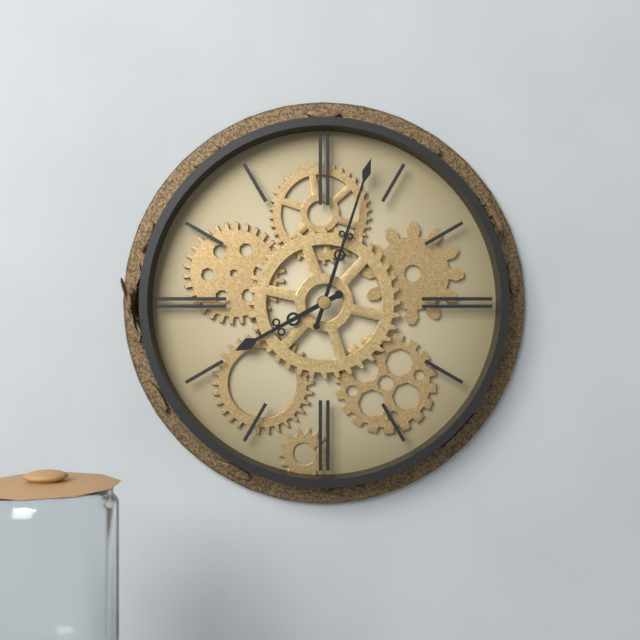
8:03
